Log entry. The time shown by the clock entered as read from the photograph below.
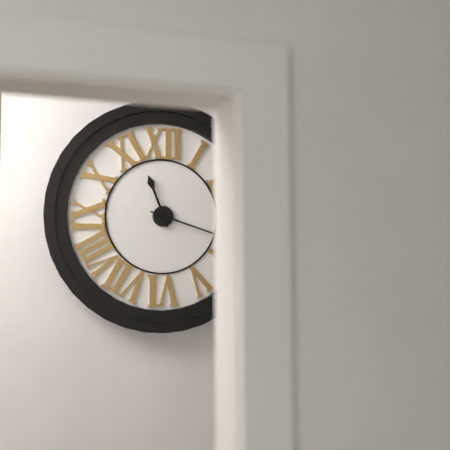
11:18
